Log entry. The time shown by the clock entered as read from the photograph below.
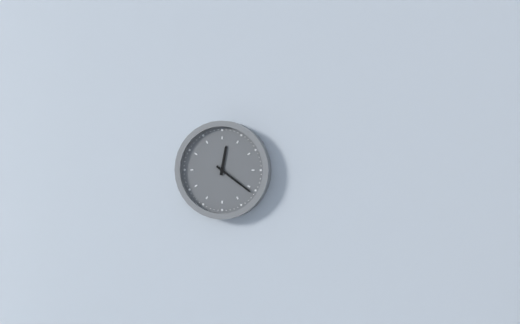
12:21
